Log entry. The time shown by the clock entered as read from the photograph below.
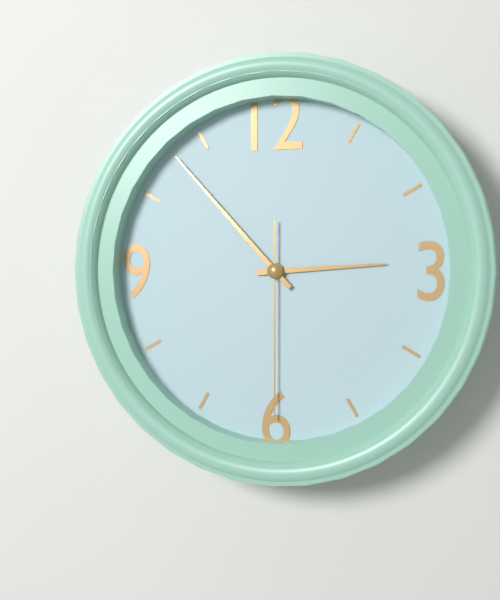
2:53:30
